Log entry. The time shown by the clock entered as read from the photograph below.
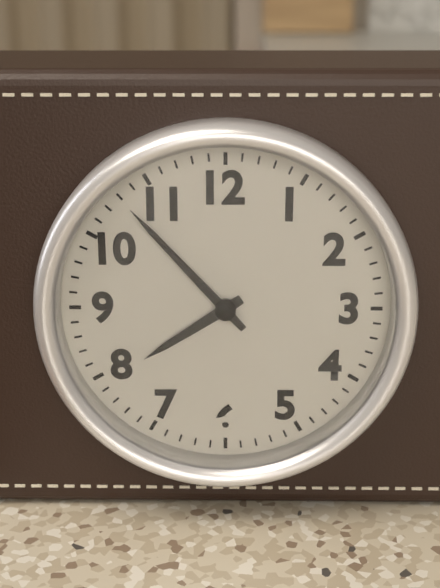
7:53
